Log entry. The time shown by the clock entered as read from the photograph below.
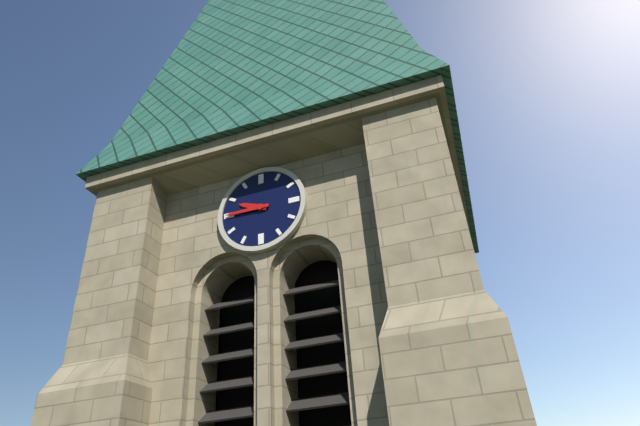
9:45
